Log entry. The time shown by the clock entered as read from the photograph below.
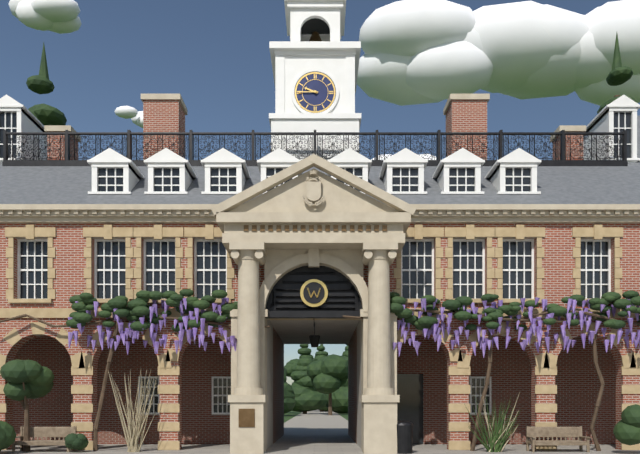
9:45
